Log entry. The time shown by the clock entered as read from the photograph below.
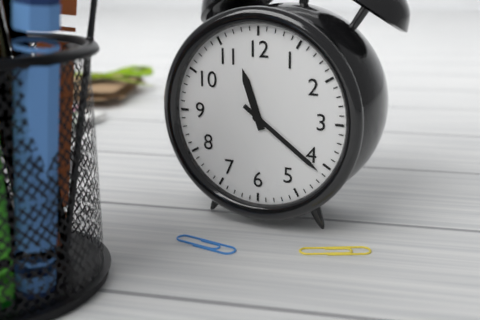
11:21
